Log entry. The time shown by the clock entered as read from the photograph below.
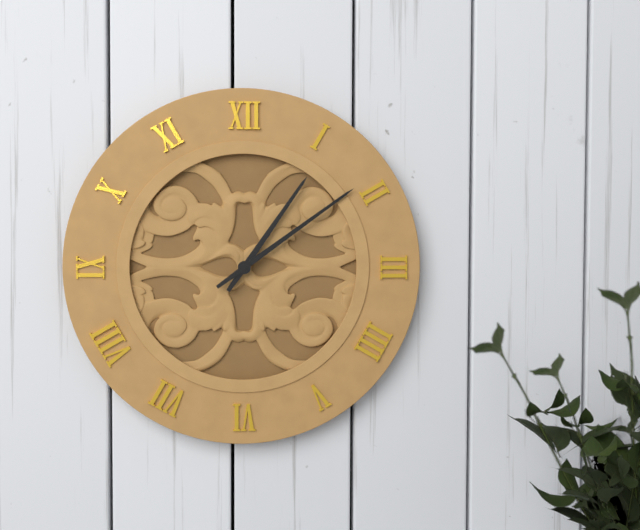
1:09
